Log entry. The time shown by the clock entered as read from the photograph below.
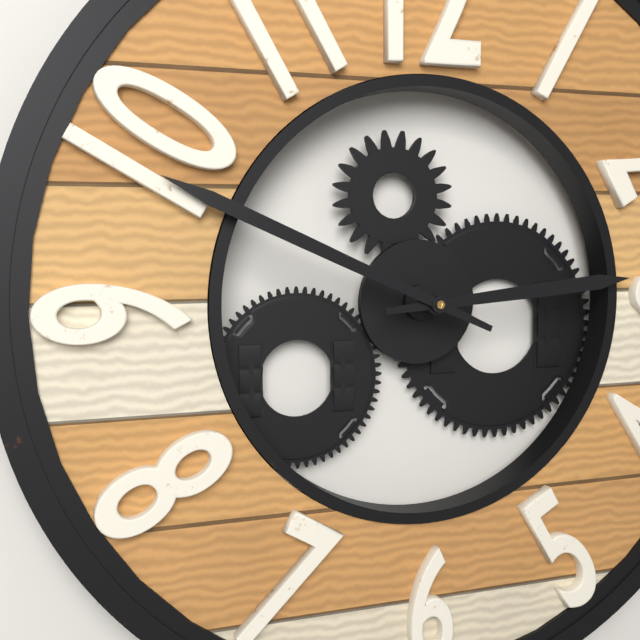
2:49
